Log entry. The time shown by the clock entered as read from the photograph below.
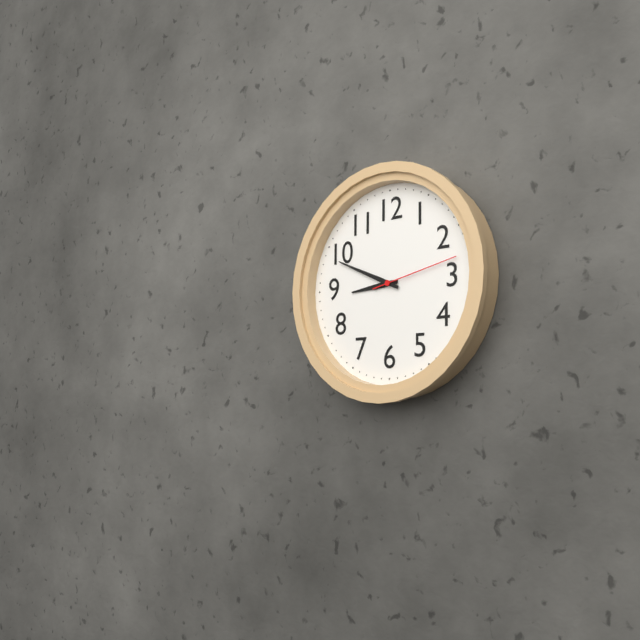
8:49:13
